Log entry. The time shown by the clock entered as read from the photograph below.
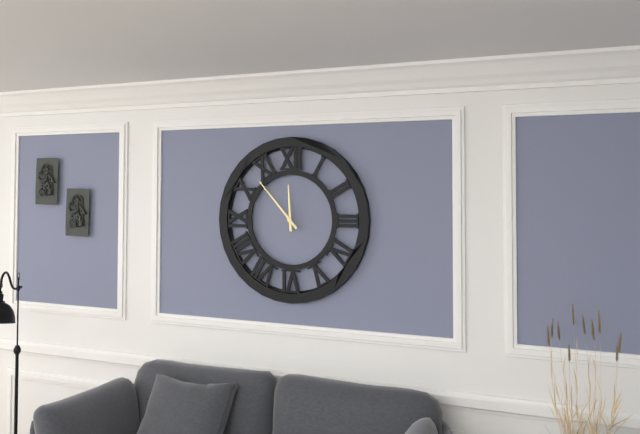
11:53
